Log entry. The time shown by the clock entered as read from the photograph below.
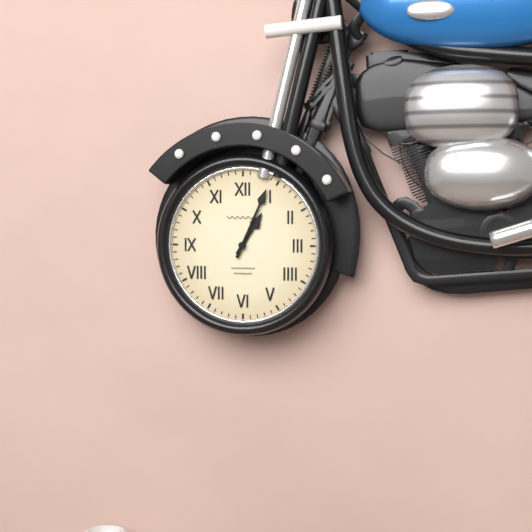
1:04
